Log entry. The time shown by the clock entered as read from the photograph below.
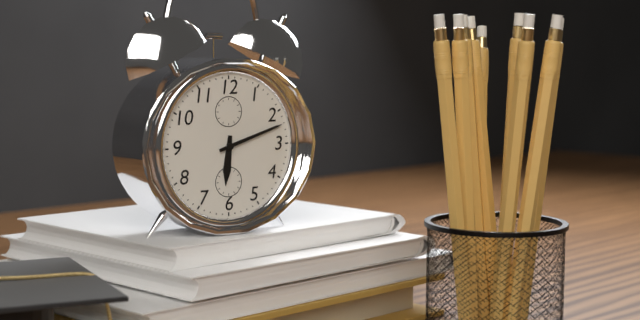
6:12
